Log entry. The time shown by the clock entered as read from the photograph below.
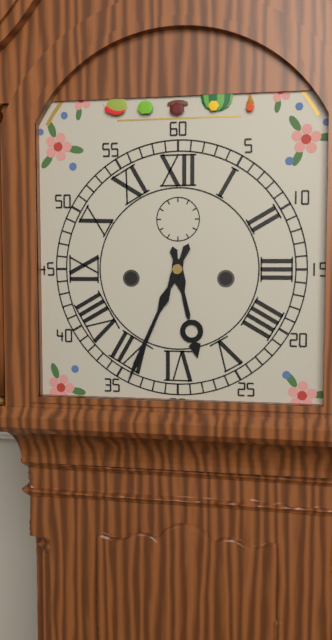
5:34
